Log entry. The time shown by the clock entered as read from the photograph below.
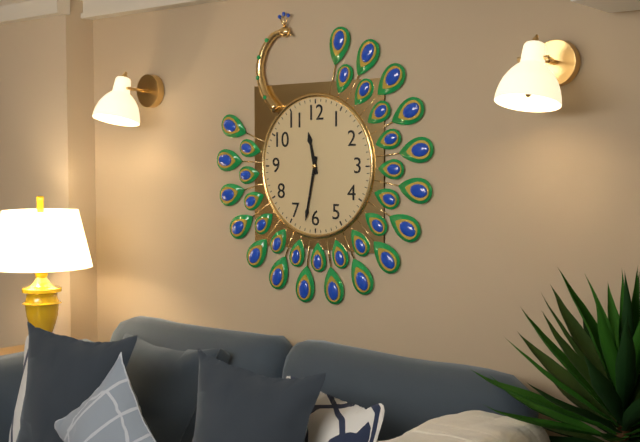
11:32
